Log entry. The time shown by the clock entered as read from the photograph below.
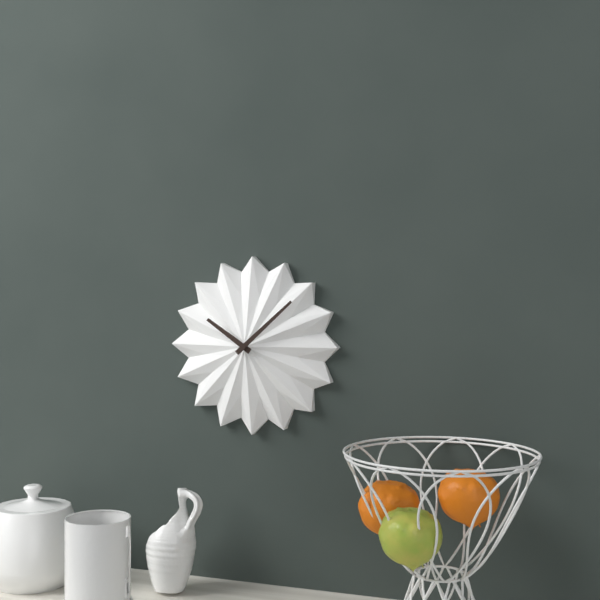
10:08
